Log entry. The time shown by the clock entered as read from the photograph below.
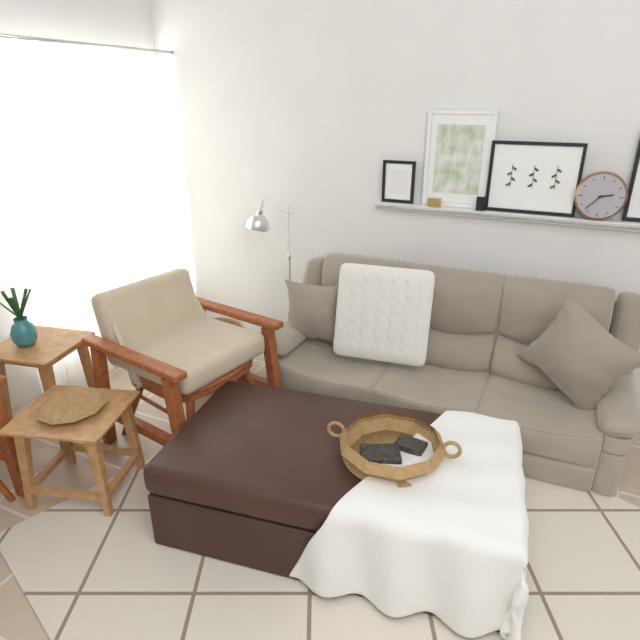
2:37
